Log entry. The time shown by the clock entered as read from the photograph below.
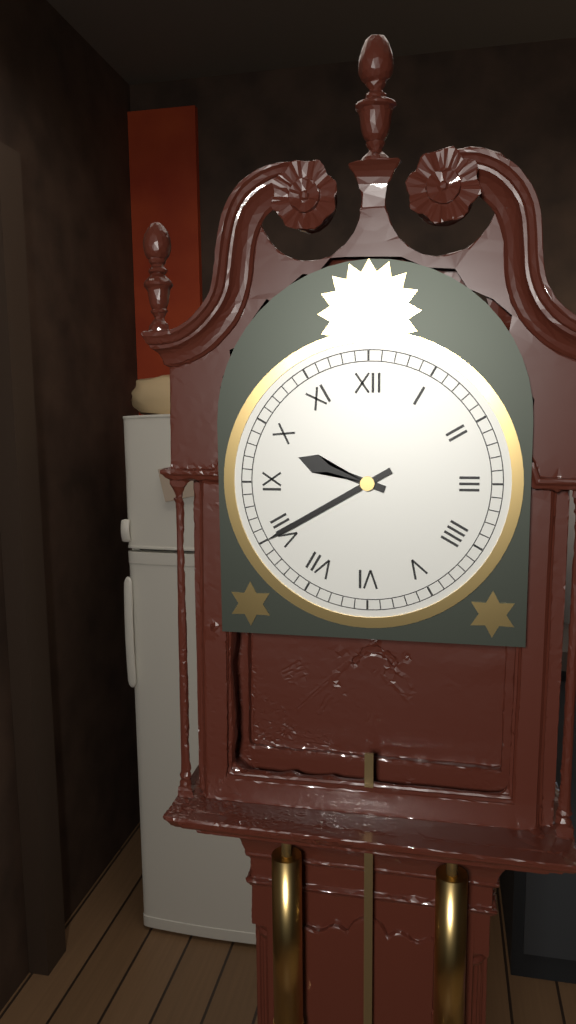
9:40
